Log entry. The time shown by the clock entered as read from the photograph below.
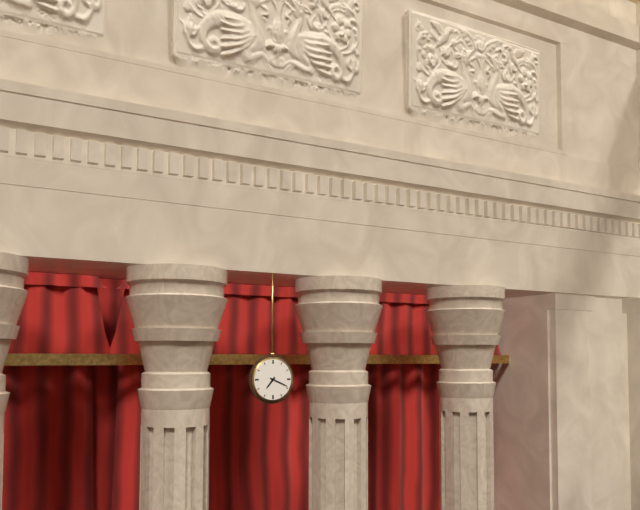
7:19
